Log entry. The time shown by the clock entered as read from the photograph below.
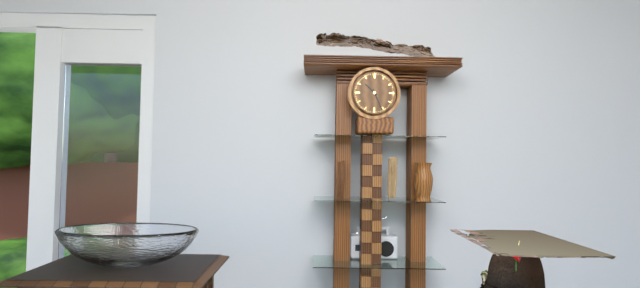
10:26
